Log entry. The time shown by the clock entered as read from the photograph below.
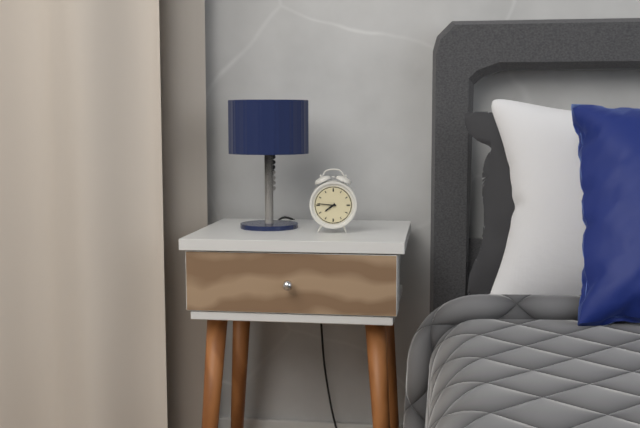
7:46
